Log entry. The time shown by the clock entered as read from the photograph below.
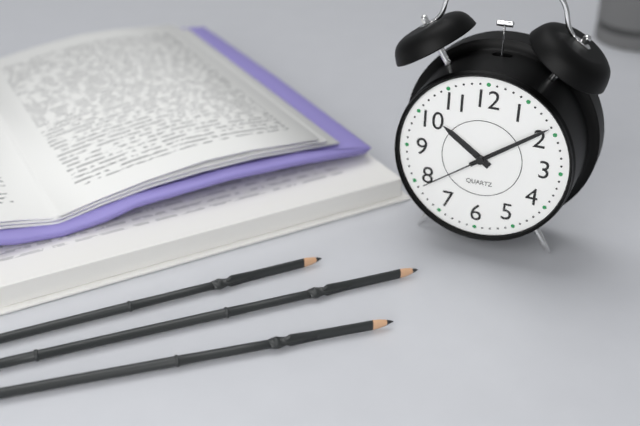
10:09:39
